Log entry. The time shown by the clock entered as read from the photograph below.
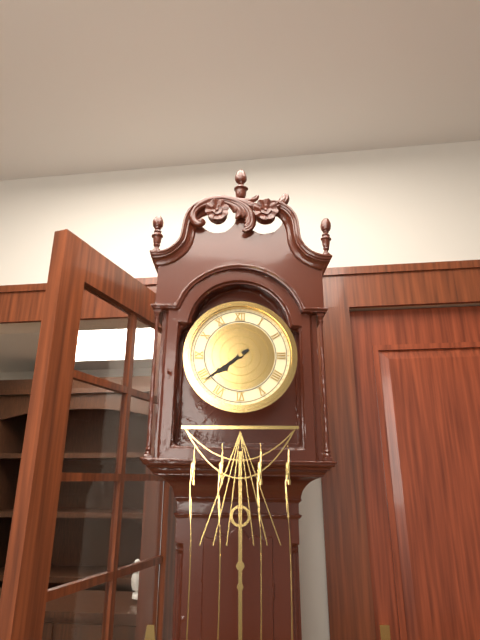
7:39
